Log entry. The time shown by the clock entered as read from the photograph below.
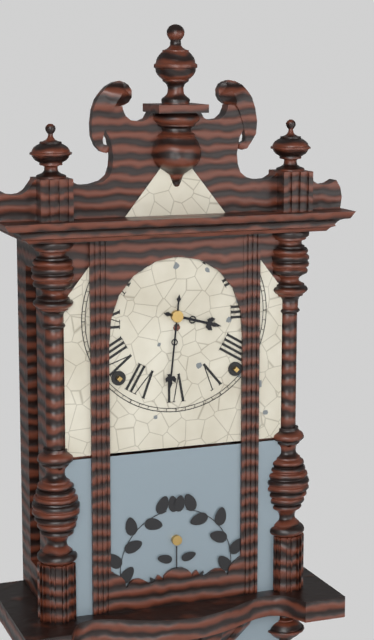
3:31
